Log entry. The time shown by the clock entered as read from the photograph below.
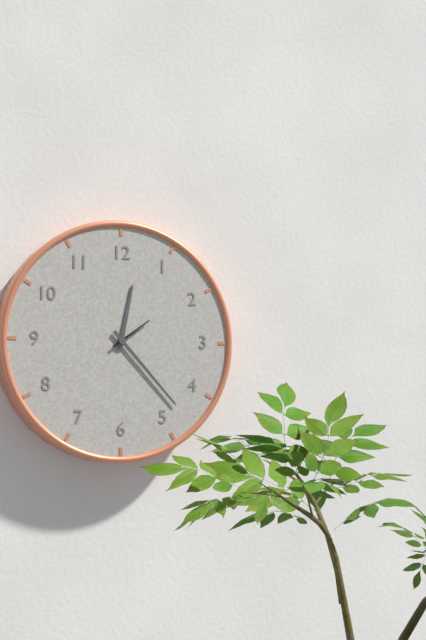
12:23
